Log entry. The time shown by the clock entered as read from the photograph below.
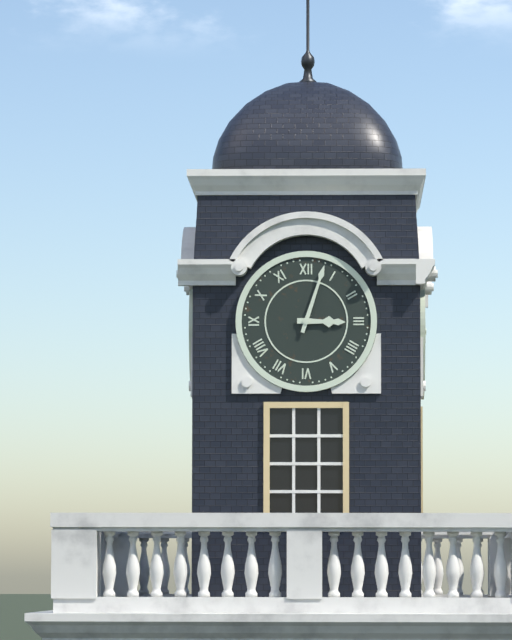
3:03
